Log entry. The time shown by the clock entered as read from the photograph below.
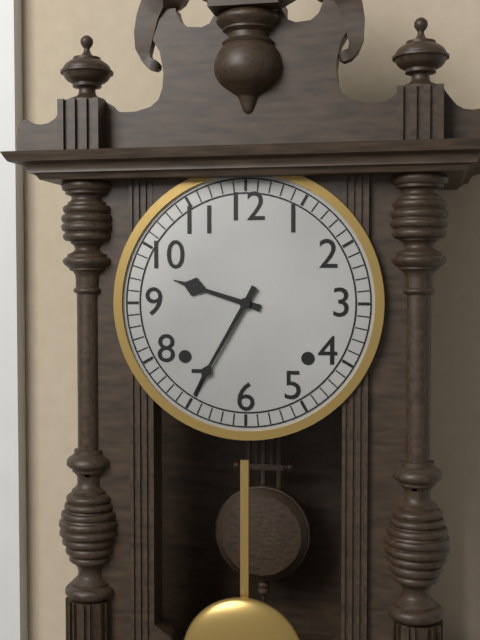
9:35
